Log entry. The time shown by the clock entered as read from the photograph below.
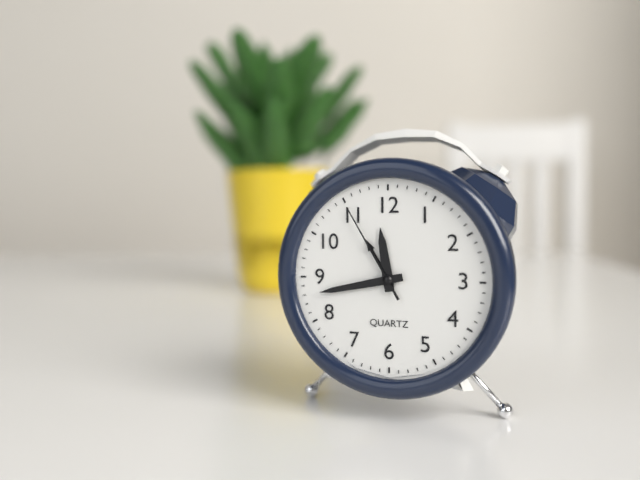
11:43:55
